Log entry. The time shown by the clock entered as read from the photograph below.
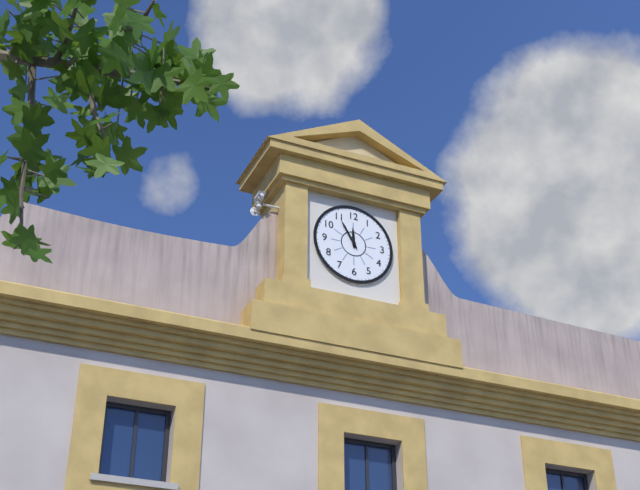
11:55
